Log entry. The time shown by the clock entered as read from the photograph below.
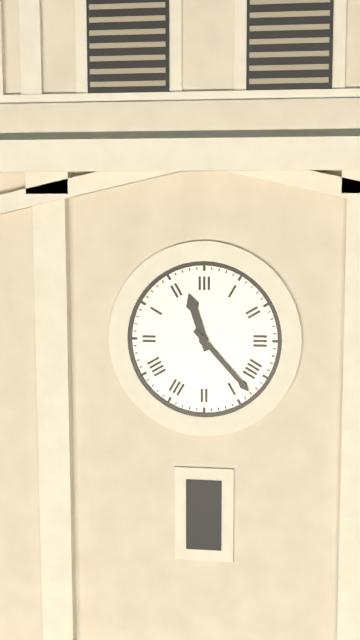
11:23
